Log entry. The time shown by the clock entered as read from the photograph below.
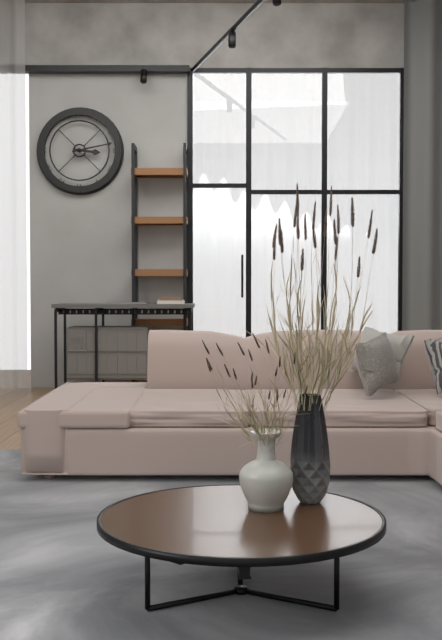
3:13
